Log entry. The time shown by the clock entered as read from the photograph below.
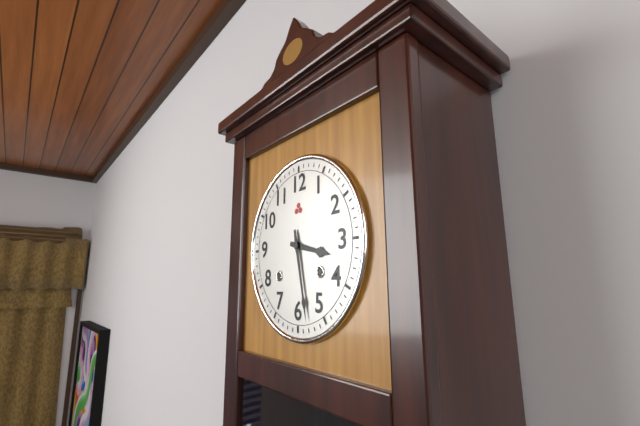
3:28
